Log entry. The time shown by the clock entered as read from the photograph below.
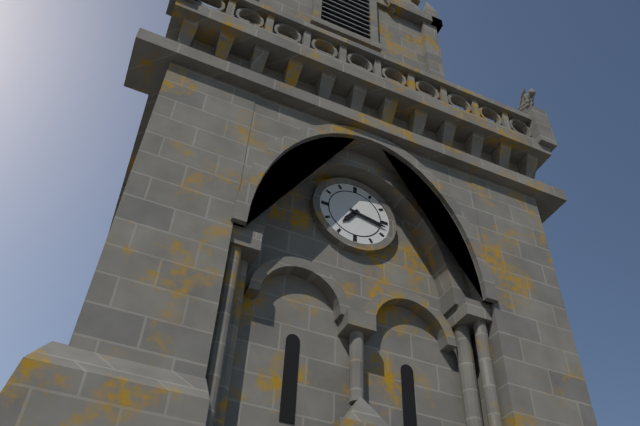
7:17
